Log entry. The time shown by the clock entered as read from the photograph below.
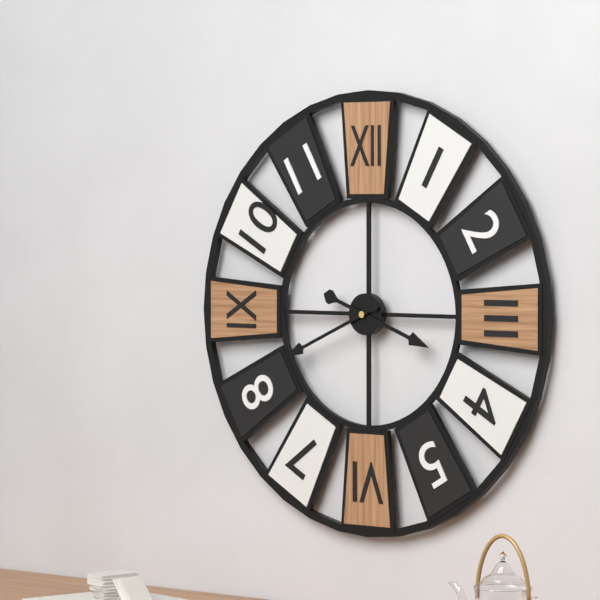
3:41
